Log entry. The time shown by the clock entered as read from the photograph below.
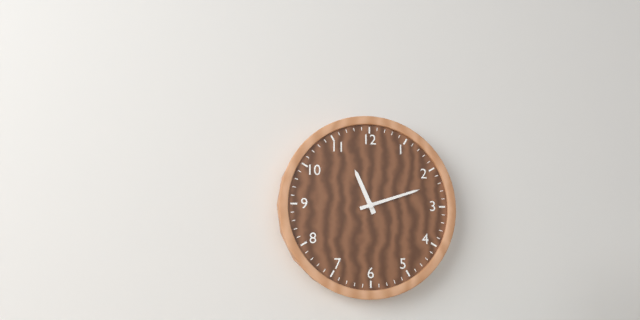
11:12
